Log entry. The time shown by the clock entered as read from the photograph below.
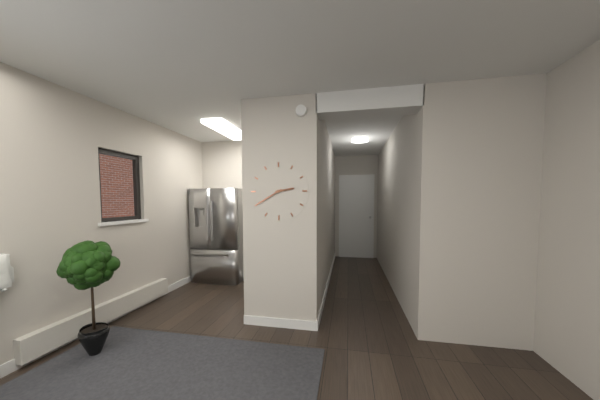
2:40
